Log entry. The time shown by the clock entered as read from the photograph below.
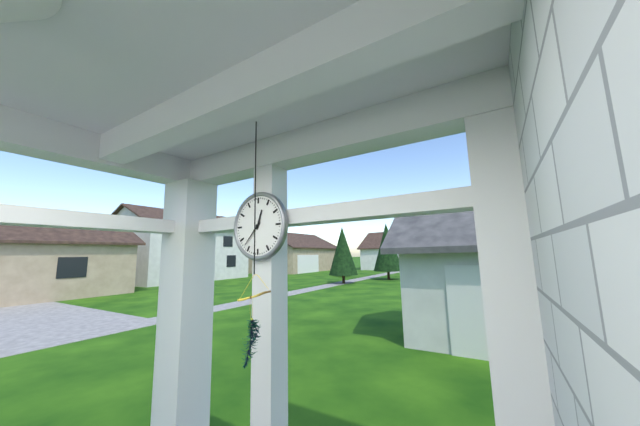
12:37
